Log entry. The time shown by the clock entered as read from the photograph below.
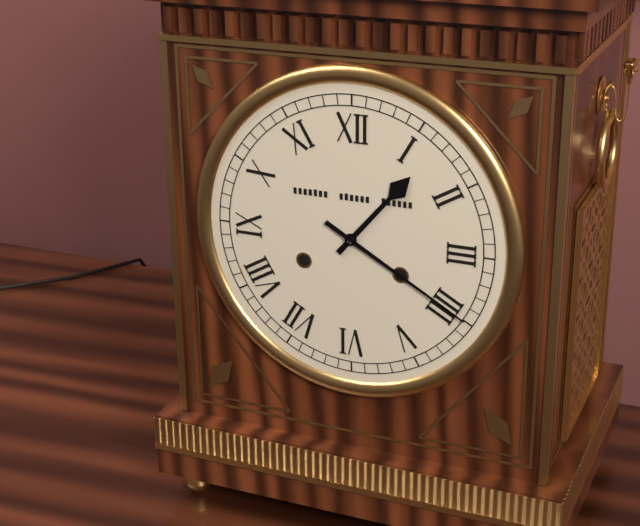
1:20
